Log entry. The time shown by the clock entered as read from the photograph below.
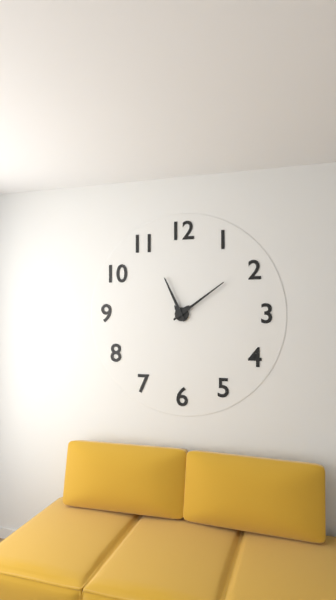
11:09
